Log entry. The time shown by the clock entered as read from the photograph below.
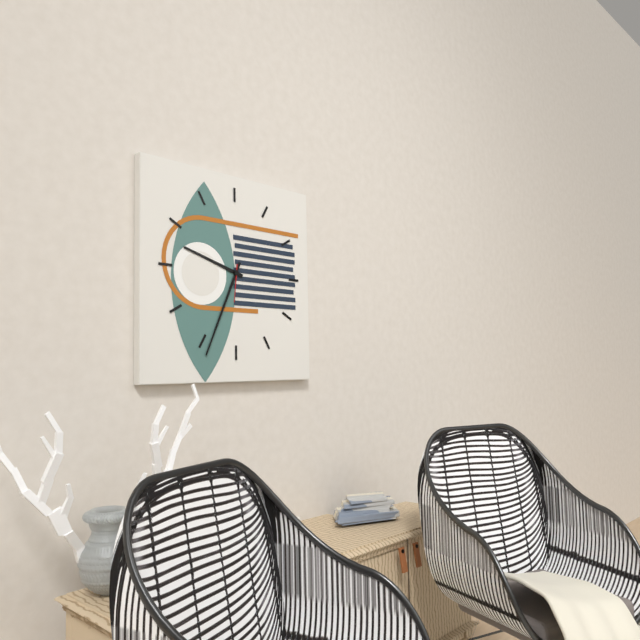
9:34
